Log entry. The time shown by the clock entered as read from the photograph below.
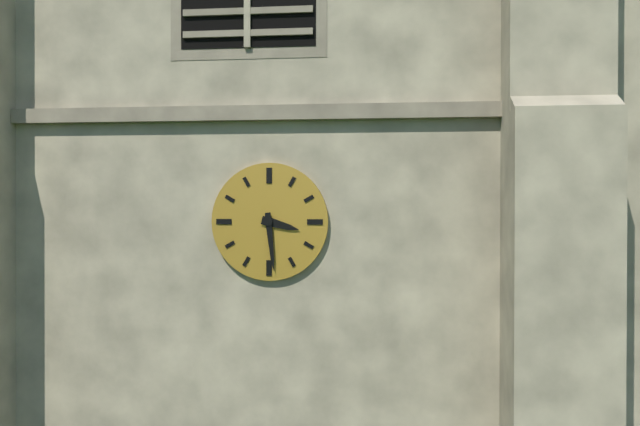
3:29
